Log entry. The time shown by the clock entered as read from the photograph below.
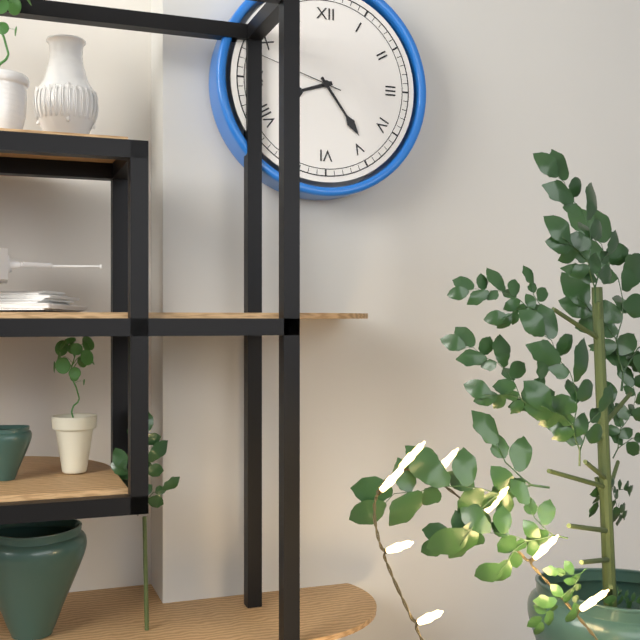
8:24:48
